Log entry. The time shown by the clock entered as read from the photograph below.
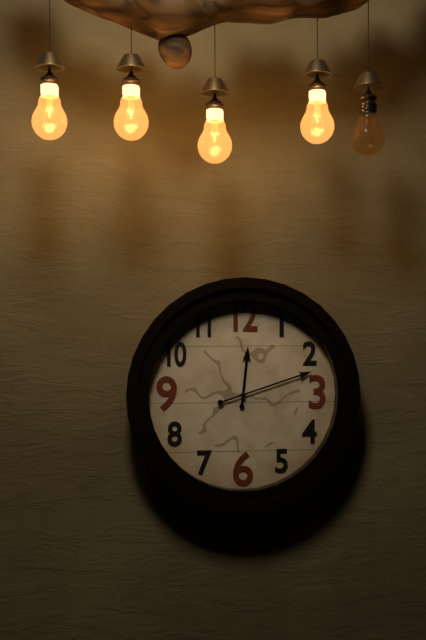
12:12
